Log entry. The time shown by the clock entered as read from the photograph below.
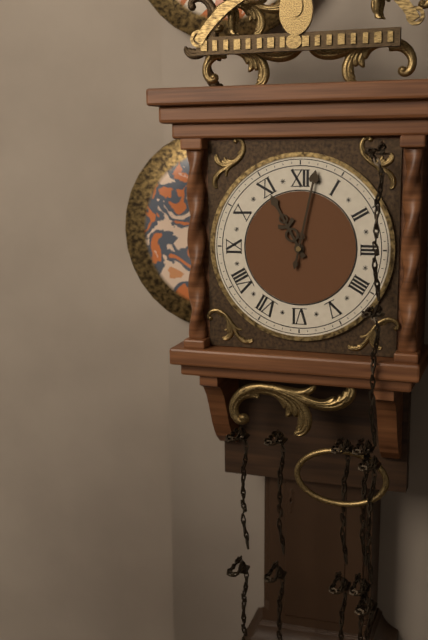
11:02
